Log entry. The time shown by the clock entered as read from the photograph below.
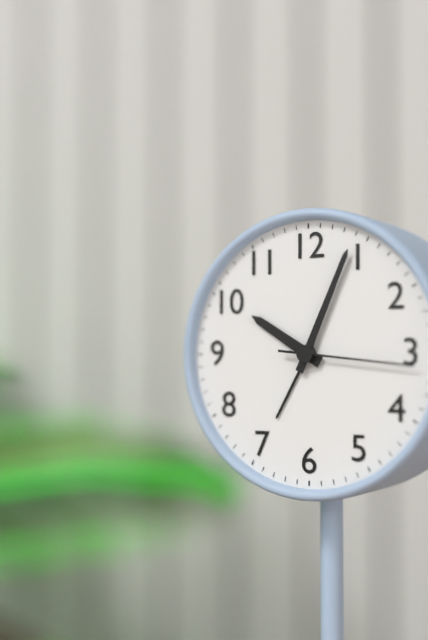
10:04:16
